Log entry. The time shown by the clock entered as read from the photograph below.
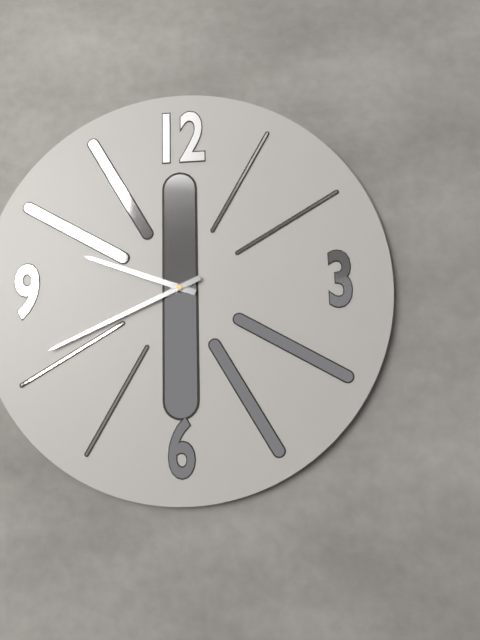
9:41
